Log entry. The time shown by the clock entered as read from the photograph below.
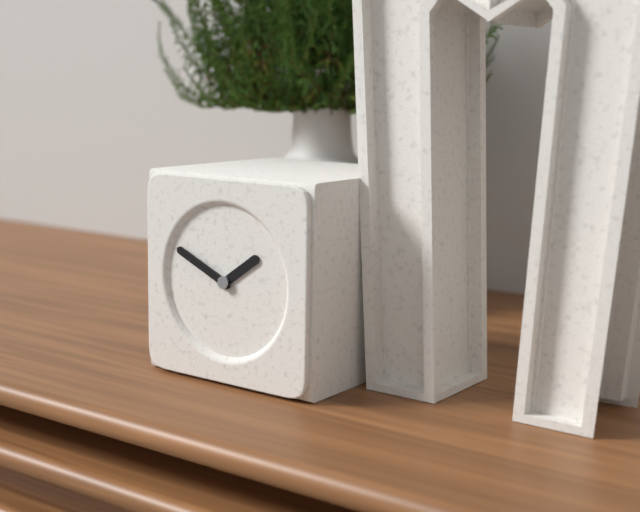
1:49
